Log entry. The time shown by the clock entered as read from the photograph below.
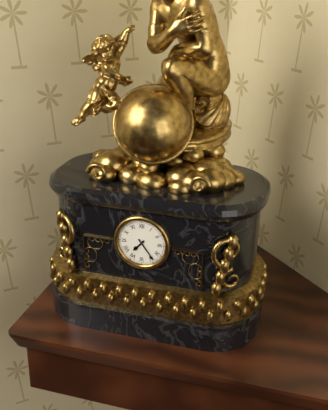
7:24
